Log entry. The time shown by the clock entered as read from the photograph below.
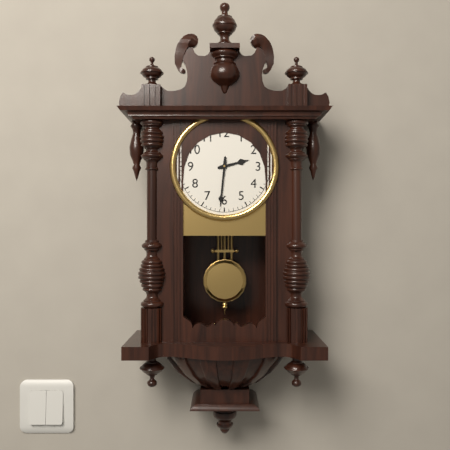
2:31
